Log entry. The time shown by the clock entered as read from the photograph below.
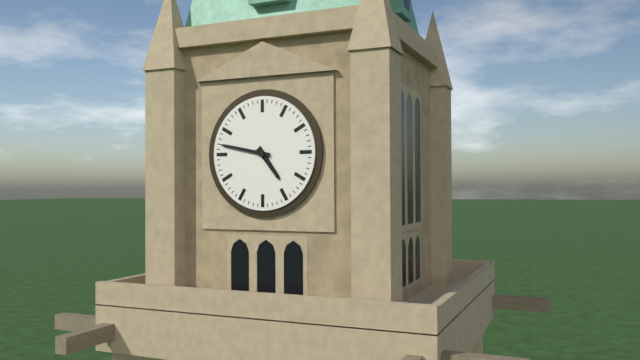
4:47
